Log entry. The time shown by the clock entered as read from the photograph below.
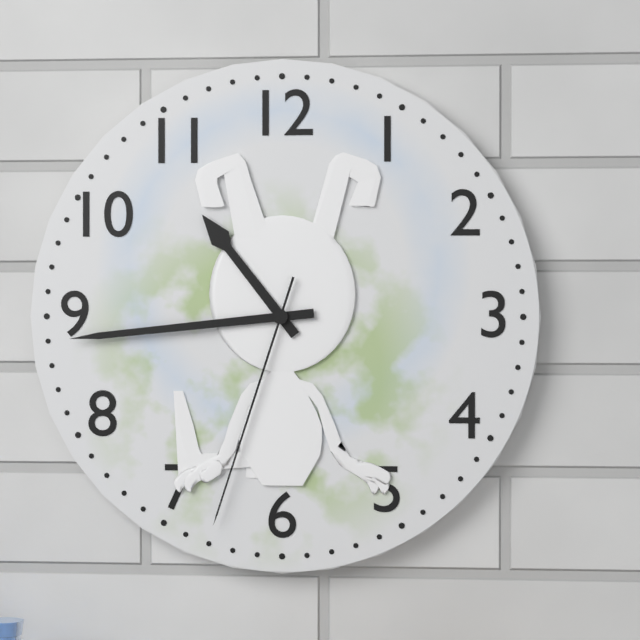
10:44:33
